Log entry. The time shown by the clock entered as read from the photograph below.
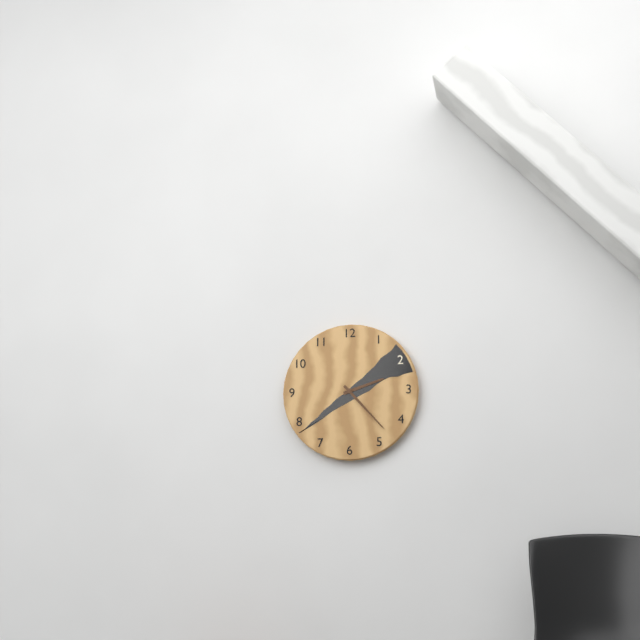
2:23
